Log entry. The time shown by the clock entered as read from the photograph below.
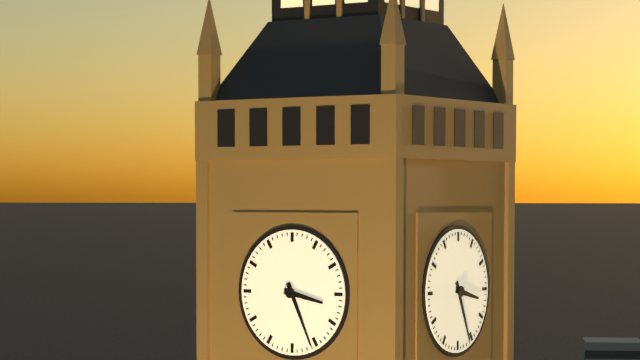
3:26
